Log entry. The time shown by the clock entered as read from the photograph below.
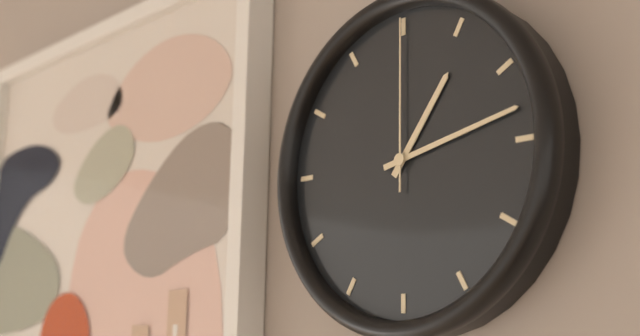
1:13:00
